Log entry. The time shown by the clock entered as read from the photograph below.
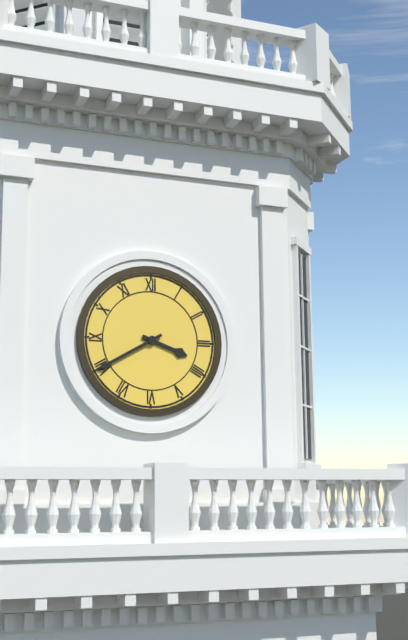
3:40
